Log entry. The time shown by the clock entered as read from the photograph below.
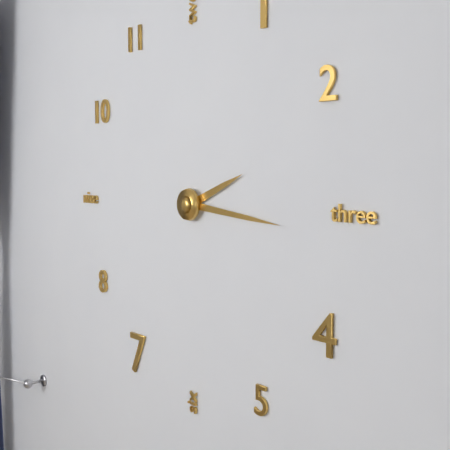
2:16
